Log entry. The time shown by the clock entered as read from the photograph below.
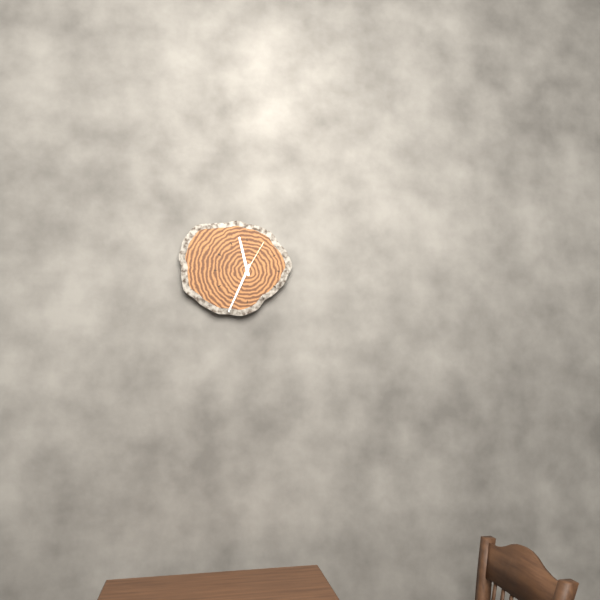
11:34
